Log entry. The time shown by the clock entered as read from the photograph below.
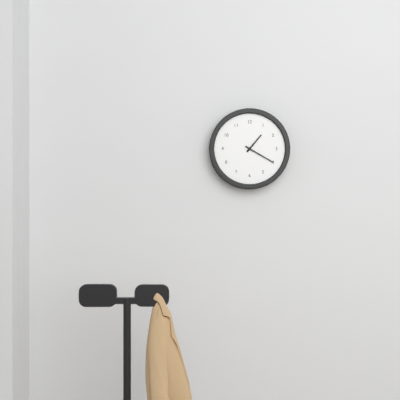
1:20
